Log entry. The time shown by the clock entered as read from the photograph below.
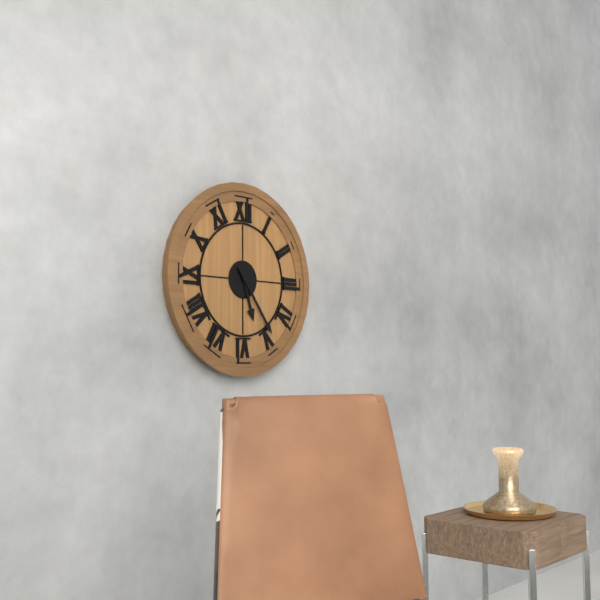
5:24
